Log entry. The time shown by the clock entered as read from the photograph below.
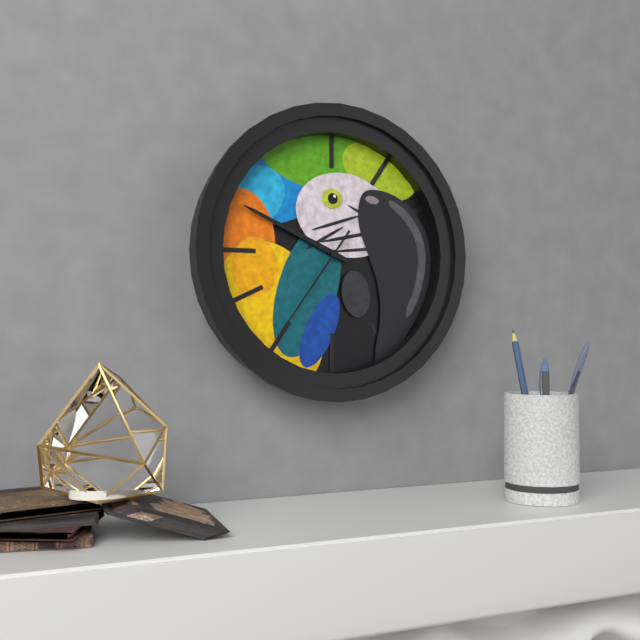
9:49:36
